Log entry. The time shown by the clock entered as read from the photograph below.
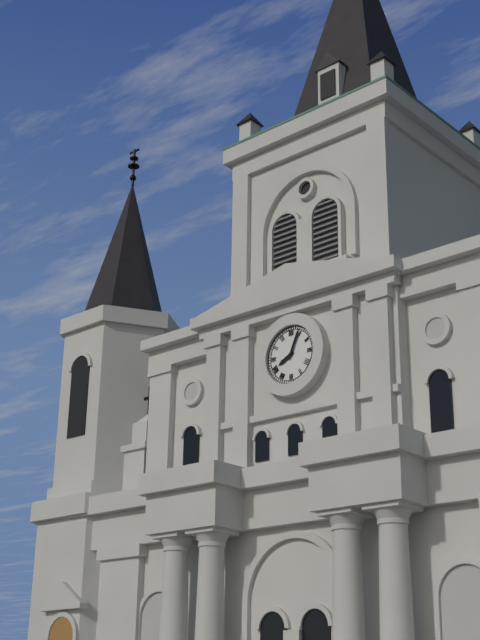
8:04
